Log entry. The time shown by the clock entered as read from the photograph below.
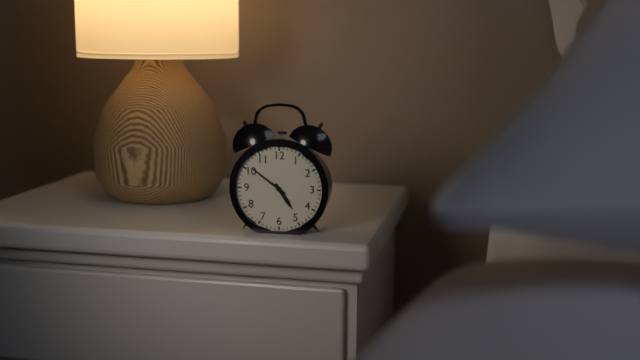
4:51
